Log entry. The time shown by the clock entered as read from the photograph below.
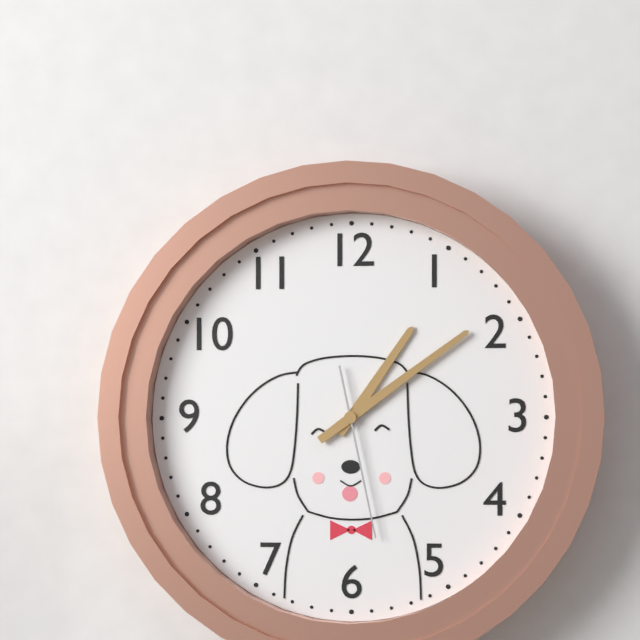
1:09:28
